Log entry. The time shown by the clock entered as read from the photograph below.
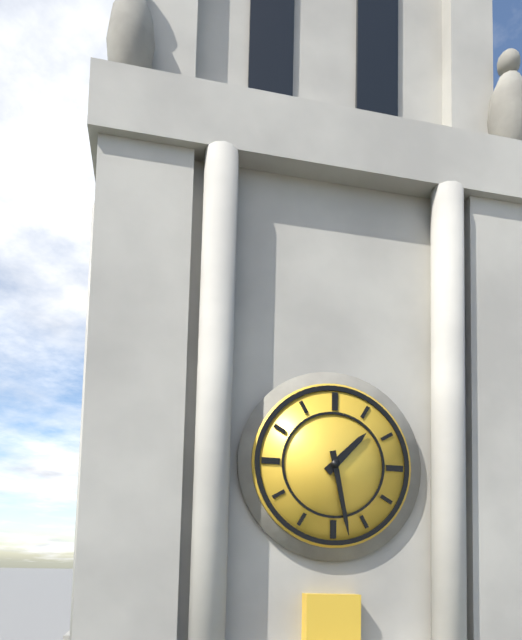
1:28
